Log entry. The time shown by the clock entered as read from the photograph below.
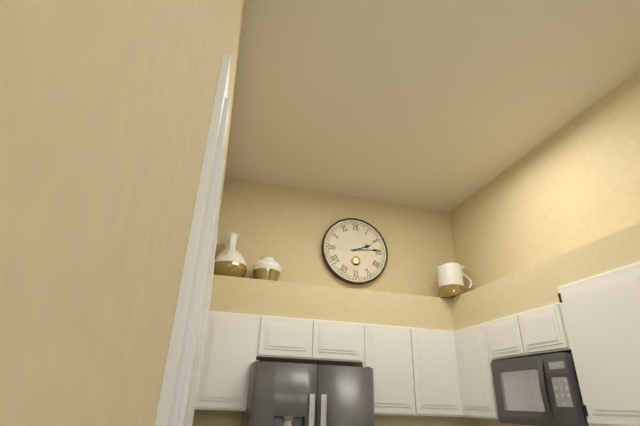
2:14
